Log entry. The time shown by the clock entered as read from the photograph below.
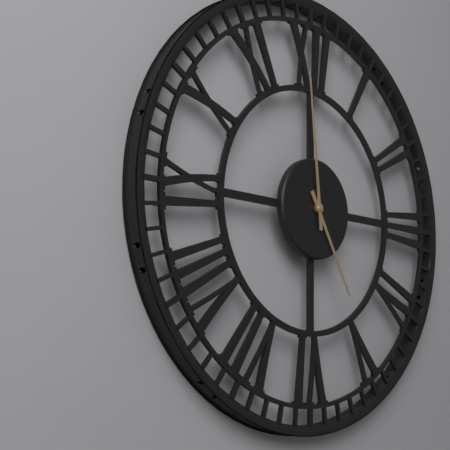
4:59
